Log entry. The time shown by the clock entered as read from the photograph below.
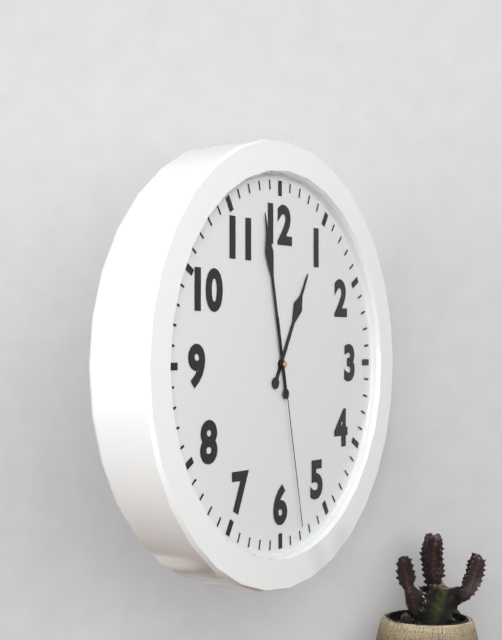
12:58:28
